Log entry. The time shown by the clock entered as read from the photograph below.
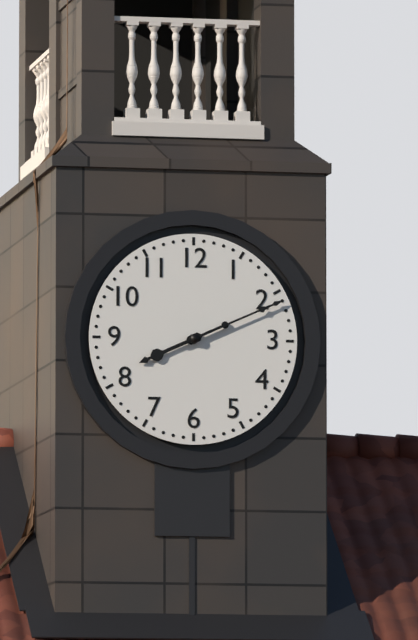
8:11
